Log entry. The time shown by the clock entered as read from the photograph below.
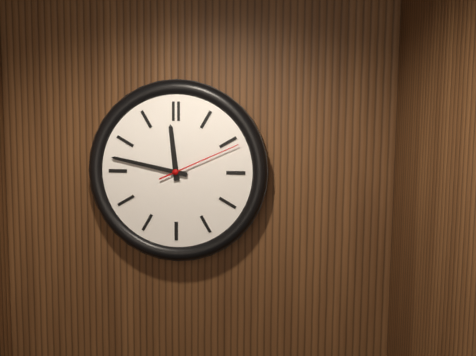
11:47:11
